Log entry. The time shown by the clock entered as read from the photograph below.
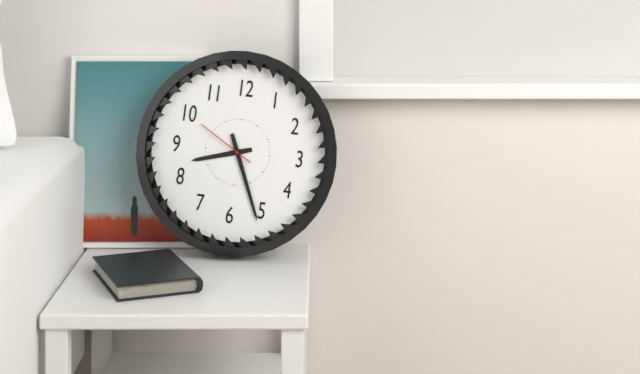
8:26:50
